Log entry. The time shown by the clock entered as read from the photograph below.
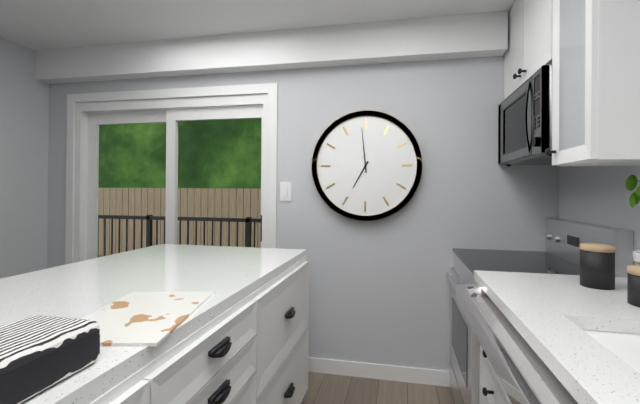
6:59
